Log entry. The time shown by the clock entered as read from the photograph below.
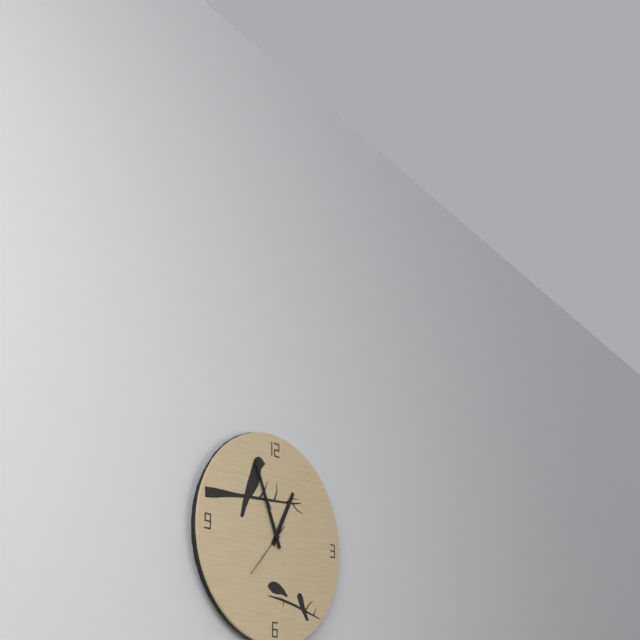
12:56:37
